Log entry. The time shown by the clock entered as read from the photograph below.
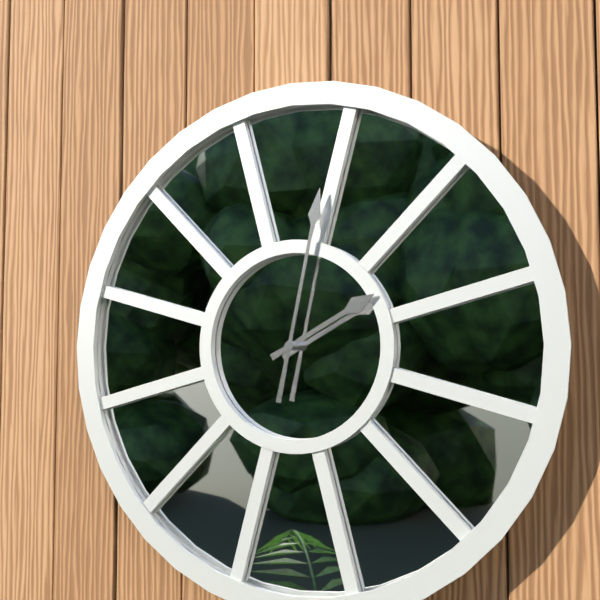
2:02
